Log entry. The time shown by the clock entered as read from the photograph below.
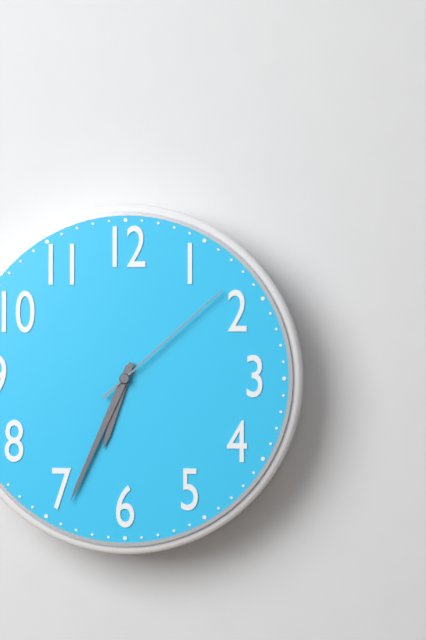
6:34:08
